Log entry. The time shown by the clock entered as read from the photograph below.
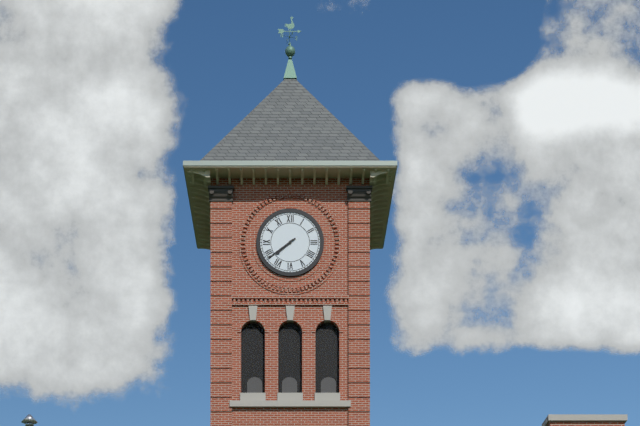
7:39
